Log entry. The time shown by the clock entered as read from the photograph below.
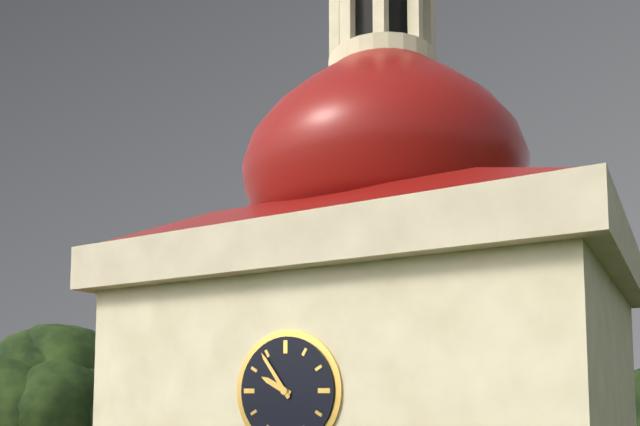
9:54
